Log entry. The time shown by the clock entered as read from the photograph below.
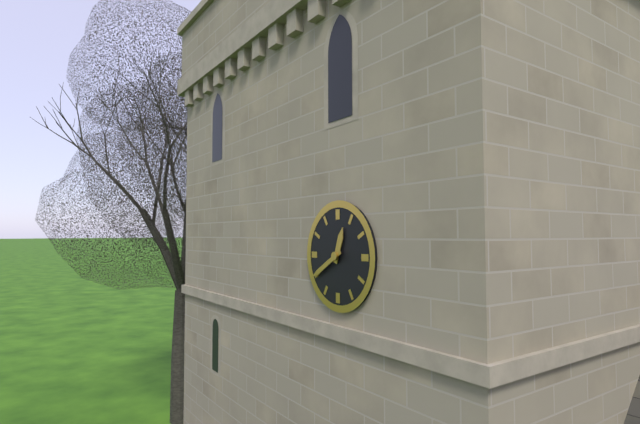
12:40
